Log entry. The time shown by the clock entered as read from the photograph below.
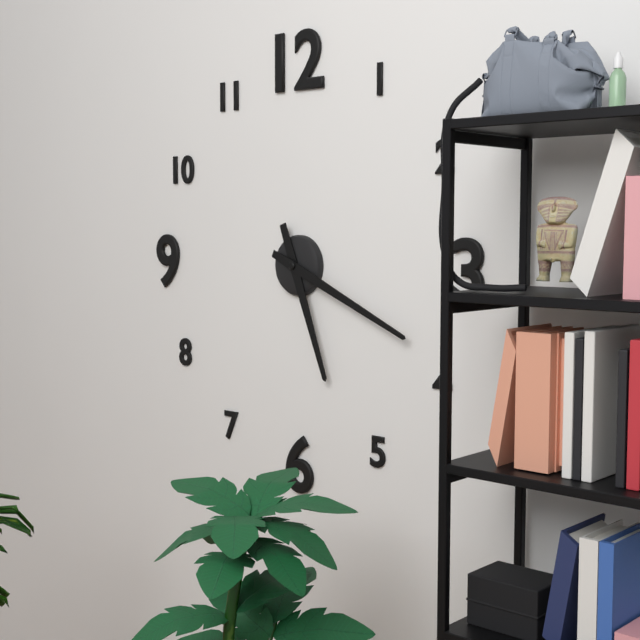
5:19
